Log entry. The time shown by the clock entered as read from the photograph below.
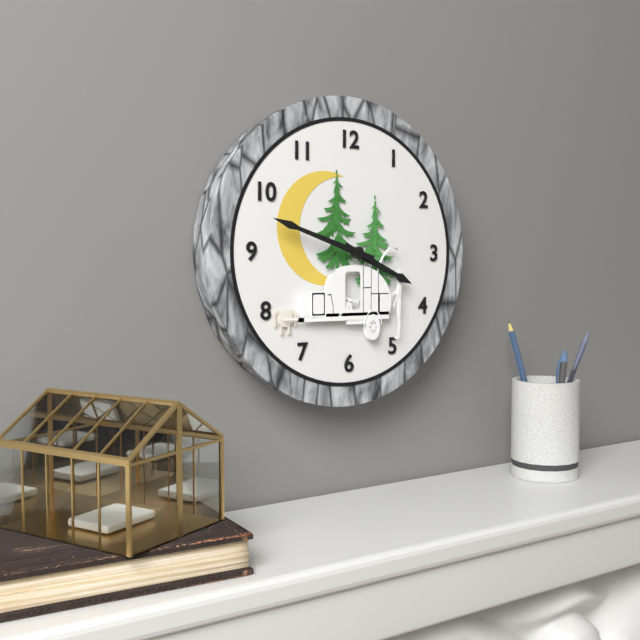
3:48
